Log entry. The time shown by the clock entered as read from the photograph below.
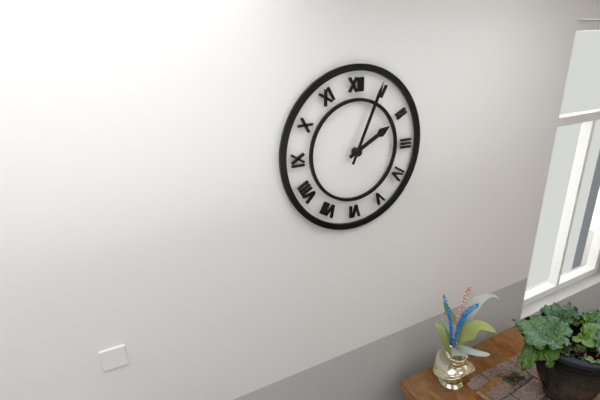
2:04
